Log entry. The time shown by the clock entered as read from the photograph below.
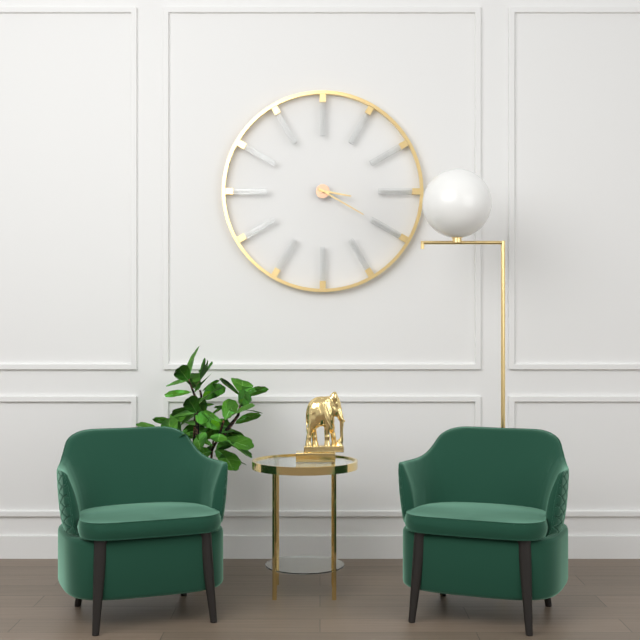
3:20
